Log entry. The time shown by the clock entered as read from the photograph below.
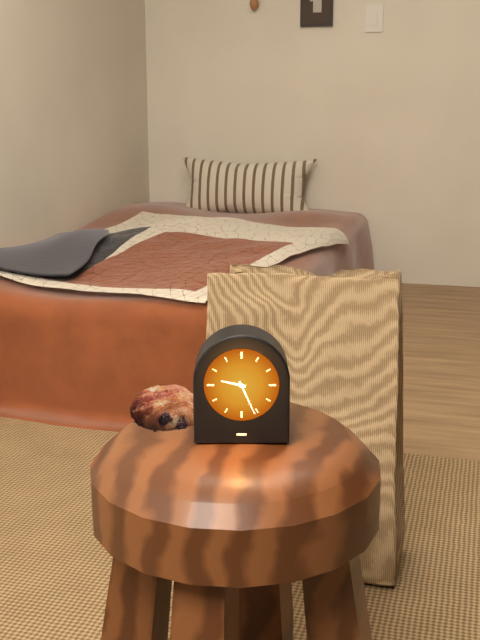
9:26
